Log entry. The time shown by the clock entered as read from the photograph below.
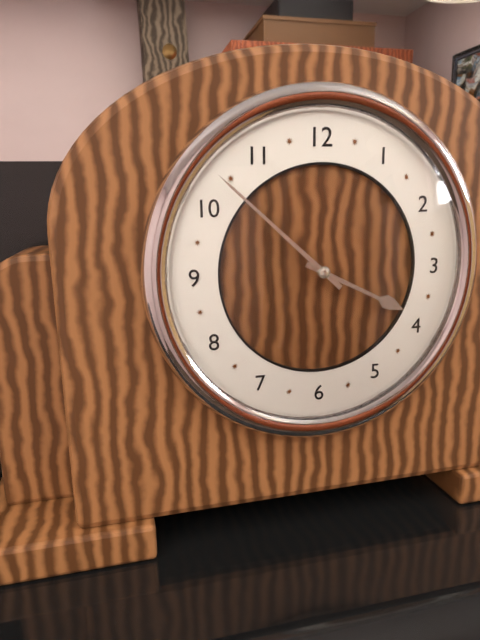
3:52
